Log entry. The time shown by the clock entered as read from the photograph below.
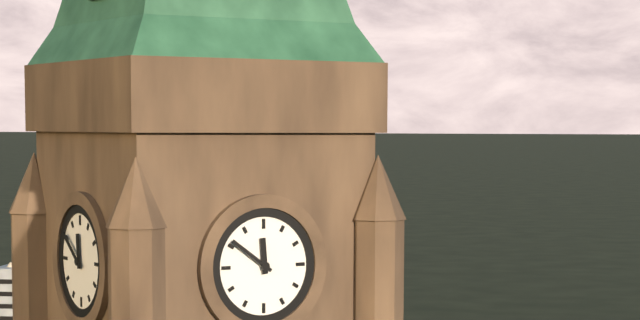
11:51
